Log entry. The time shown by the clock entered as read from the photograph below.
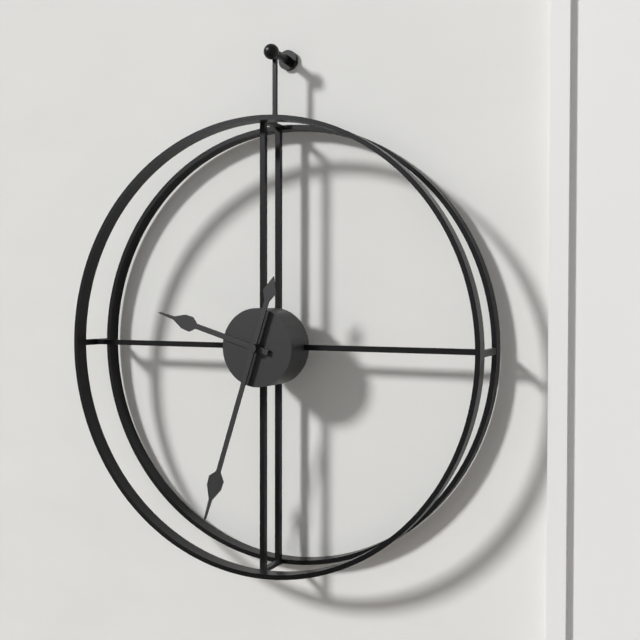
9:33
